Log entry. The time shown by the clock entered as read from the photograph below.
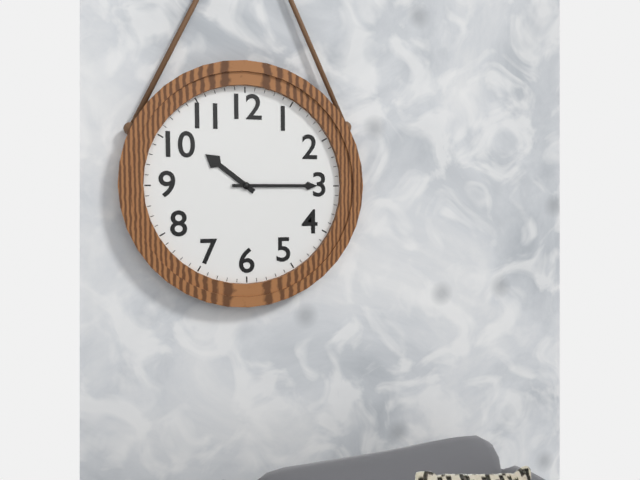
10:15
